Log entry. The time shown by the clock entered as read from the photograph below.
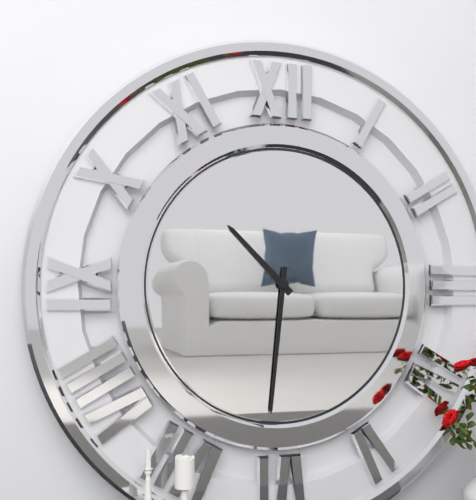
10:31
